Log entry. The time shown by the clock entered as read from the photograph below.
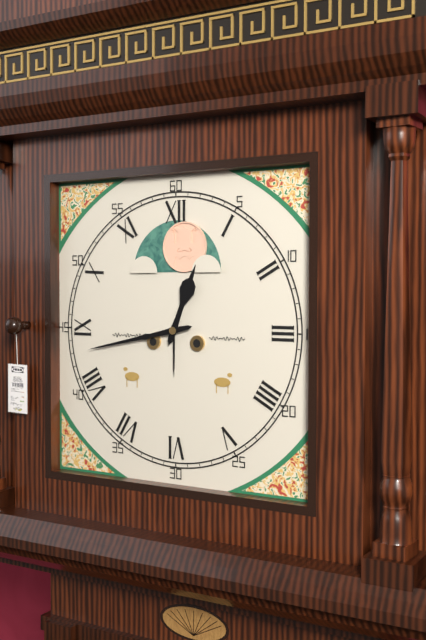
12:43
